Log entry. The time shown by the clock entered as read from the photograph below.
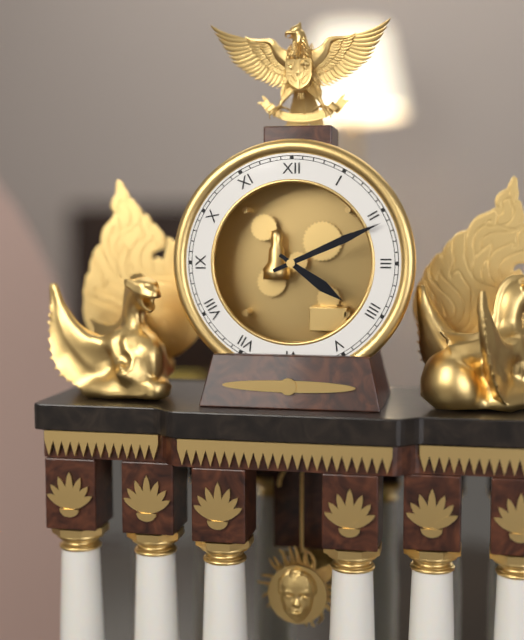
4:11
